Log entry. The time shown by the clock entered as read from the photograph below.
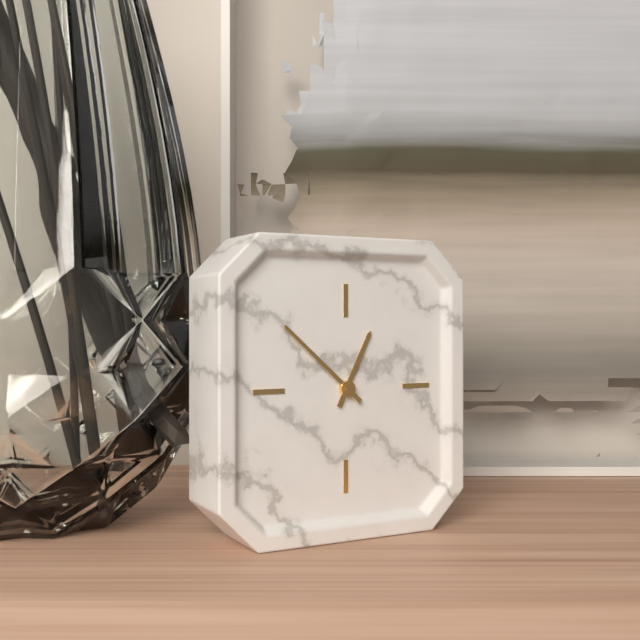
12:52
